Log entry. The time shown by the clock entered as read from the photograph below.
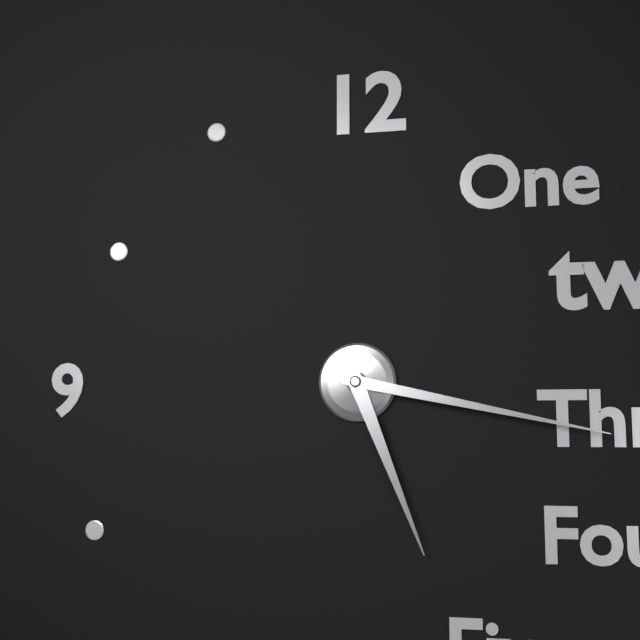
5:17
